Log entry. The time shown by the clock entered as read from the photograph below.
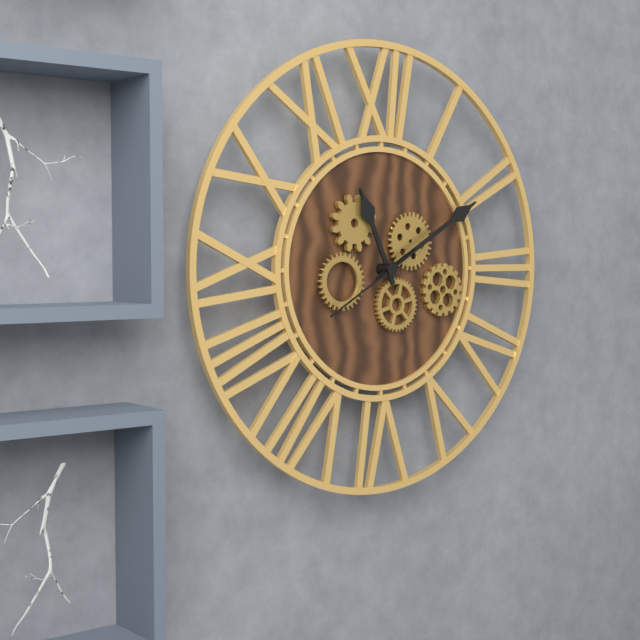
11:10:40
